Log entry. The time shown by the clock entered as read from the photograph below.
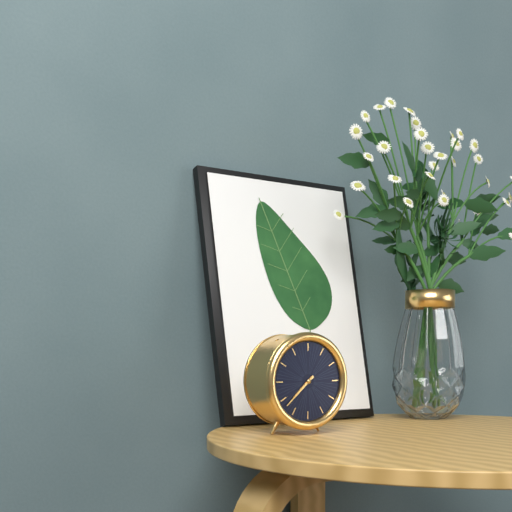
7:38
